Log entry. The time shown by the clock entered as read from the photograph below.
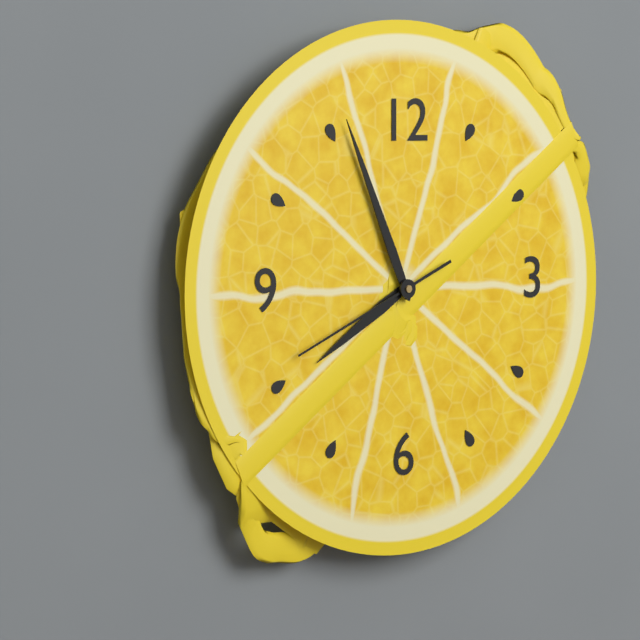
7:56:41
